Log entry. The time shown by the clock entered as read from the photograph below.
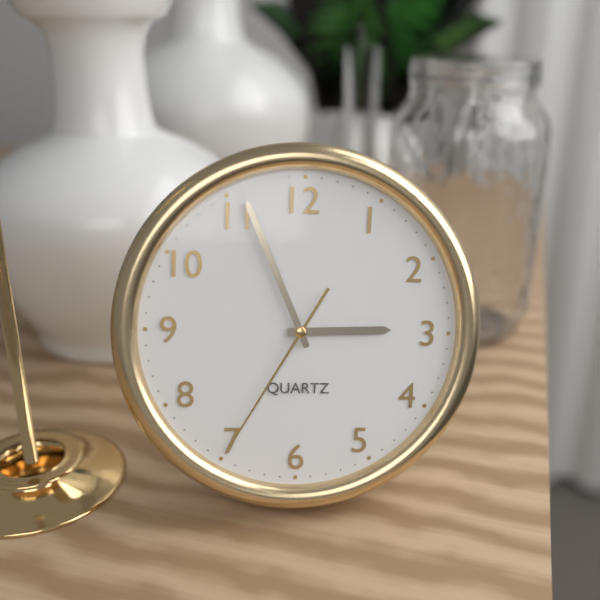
2:56:35
